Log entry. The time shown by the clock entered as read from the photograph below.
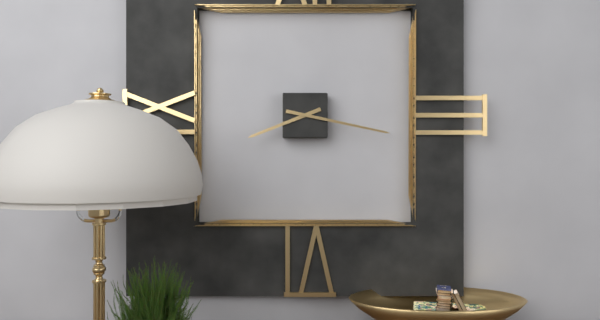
8:17
